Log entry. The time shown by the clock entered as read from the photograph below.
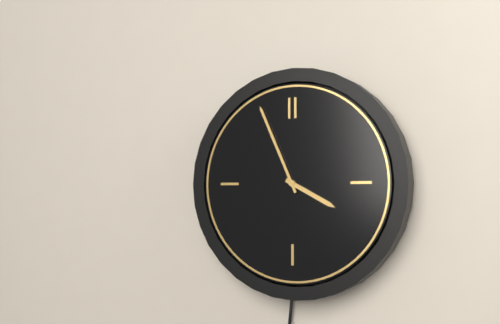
3:56
